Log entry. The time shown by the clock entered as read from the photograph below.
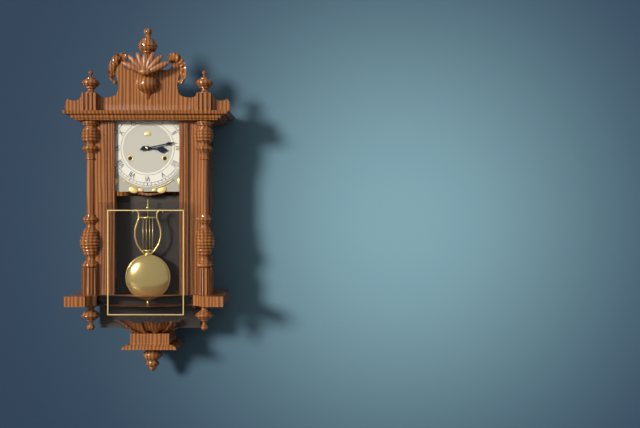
3:13
